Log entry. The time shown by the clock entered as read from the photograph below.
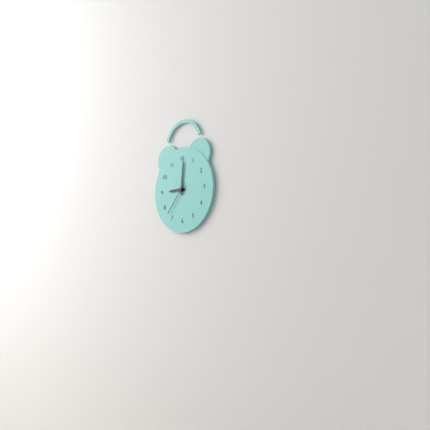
9:01
